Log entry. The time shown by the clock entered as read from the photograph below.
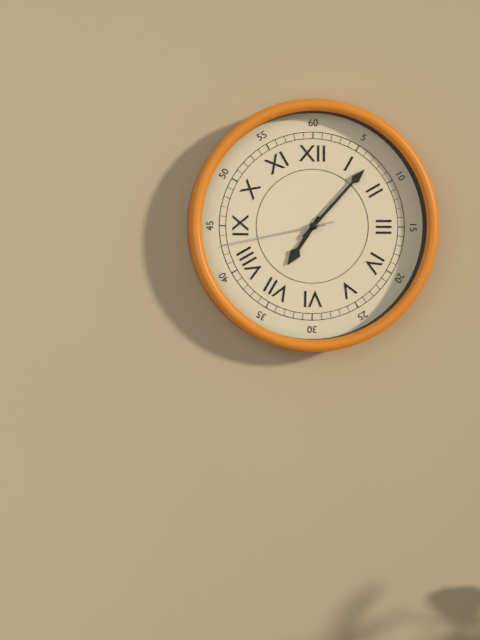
7:07:43
